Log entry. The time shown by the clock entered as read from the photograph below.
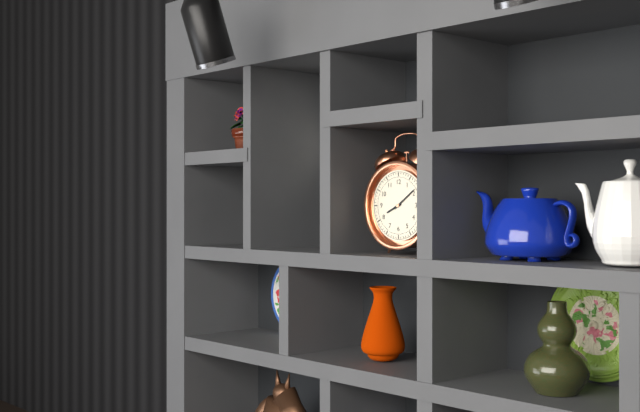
8:09
